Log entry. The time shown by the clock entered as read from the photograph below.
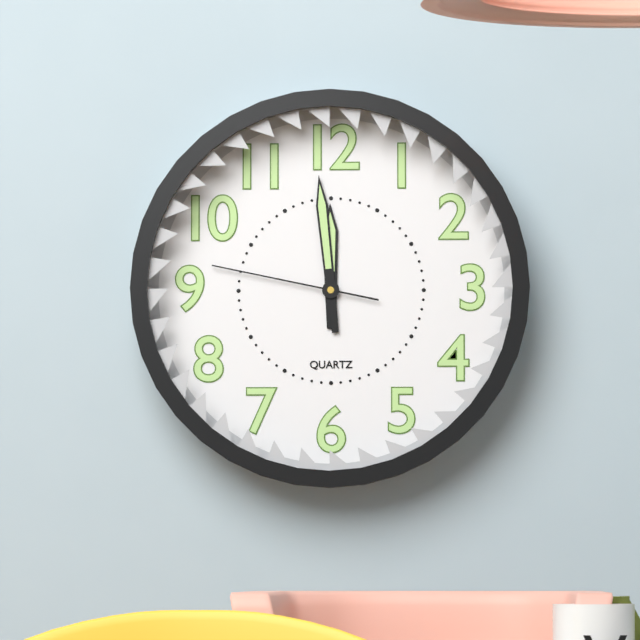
11:59:47
